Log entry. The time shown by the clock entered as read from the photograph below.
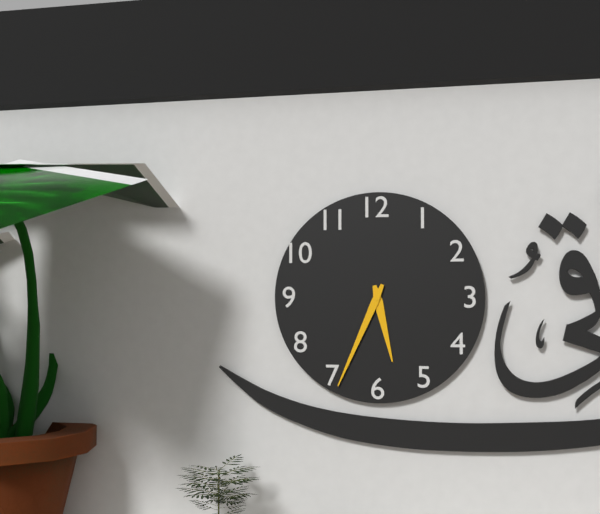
5:34
